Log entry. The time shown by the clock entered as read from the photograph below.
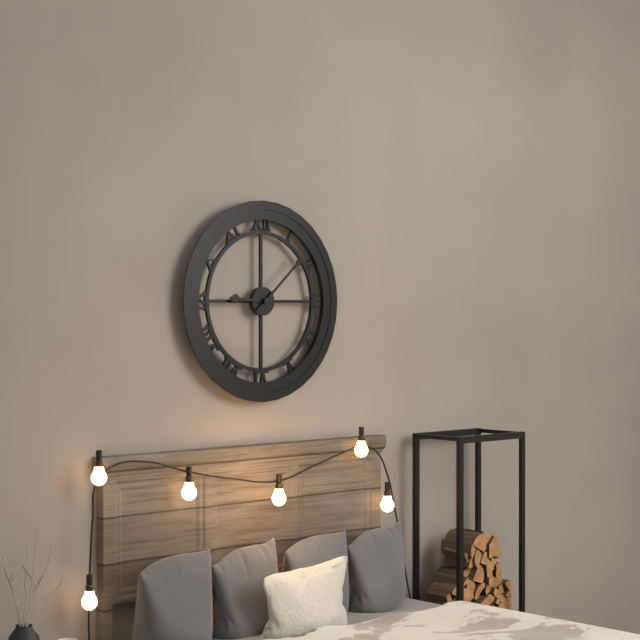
9:08
